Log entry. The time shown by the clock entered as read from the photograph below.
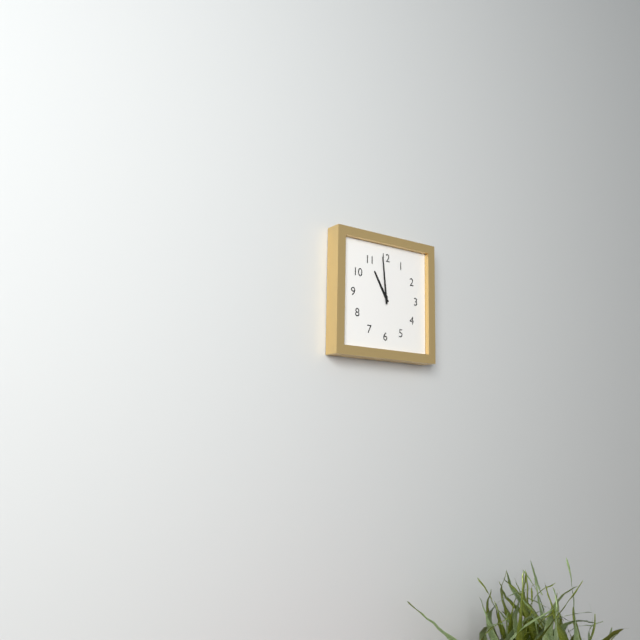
10:59
